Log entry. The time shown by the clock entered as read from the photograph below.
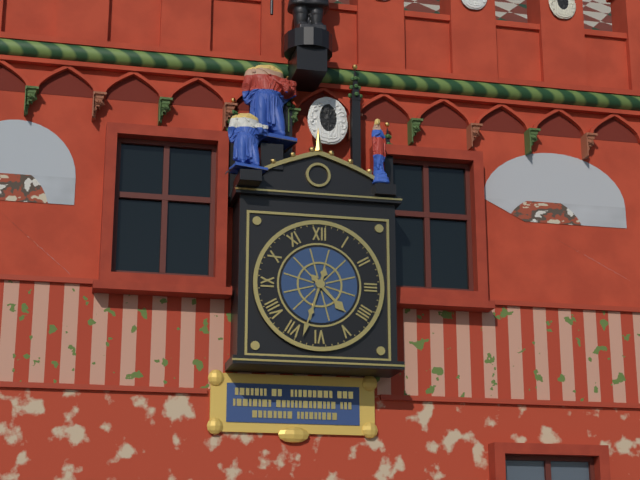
4:33
